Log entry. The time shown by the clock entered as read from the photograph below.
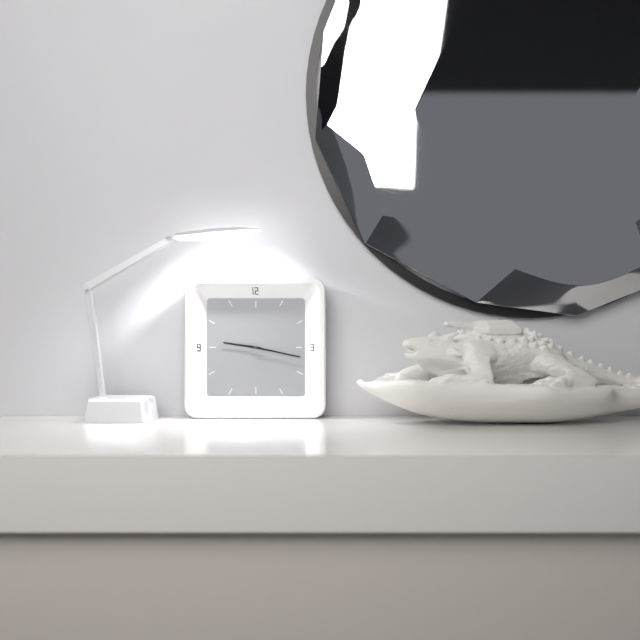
9:17
